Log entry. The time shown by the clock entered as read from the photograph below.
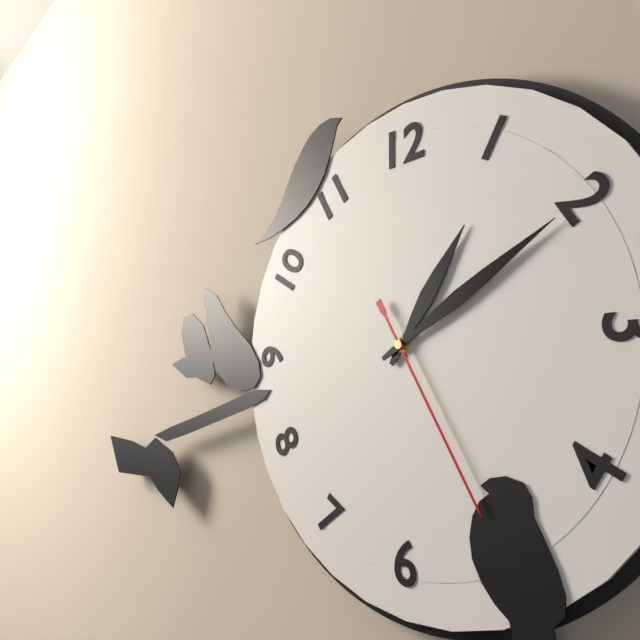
1:10:25
